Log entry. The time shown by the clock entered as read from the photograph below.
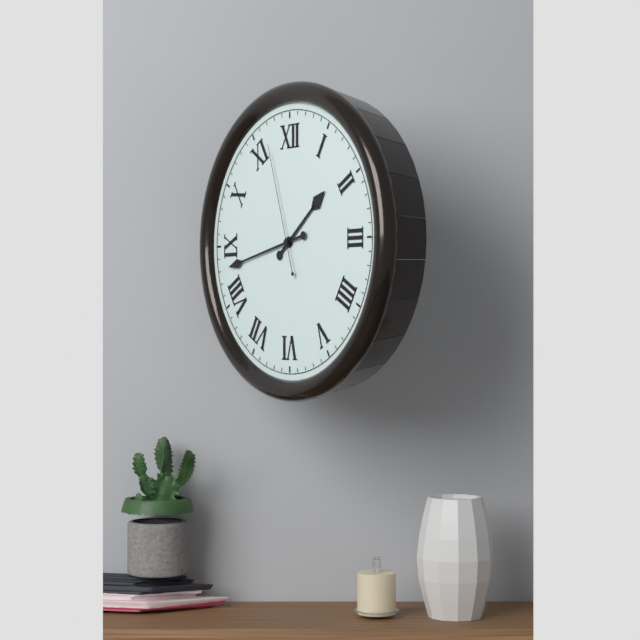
1:43:57
